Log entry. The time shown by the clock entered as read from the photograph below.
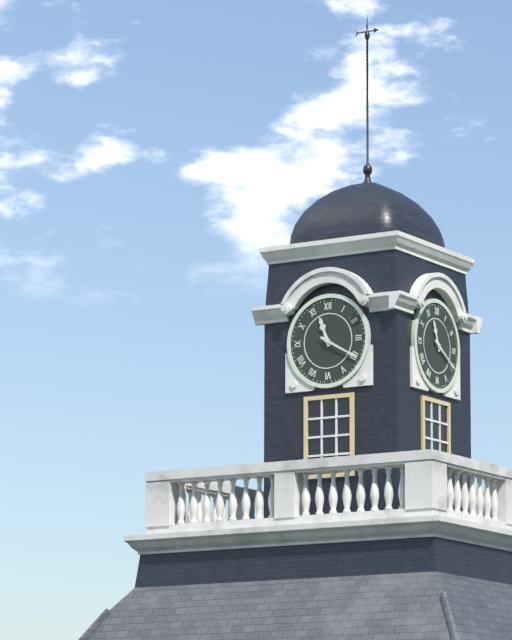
11:20
